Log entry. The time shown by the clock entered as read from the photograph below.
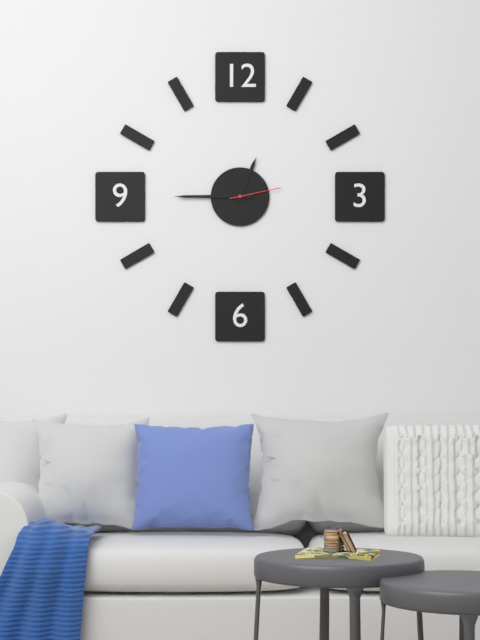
12:45:13
